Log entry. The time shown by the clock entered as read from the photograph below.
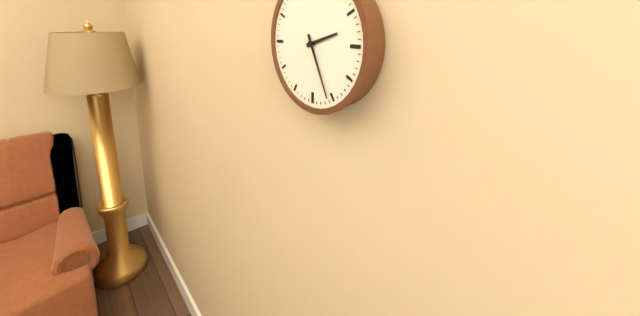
2:26
